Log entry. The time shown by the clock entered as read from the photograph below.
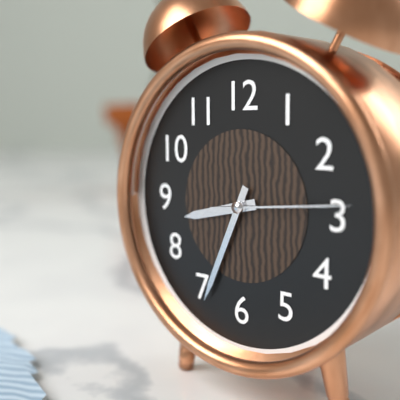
8:34:14
